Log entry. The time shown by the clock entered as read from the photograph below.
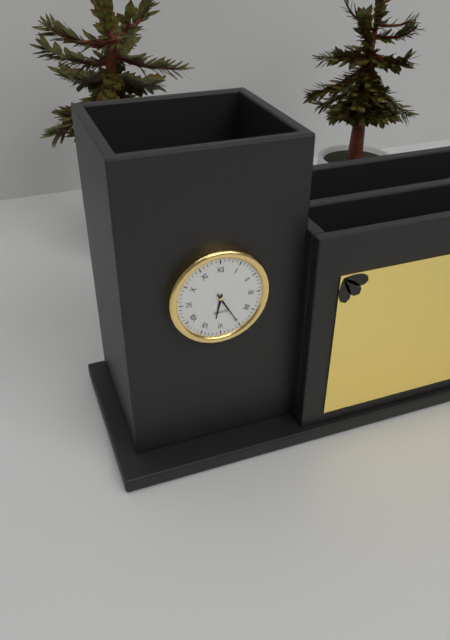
6:25
